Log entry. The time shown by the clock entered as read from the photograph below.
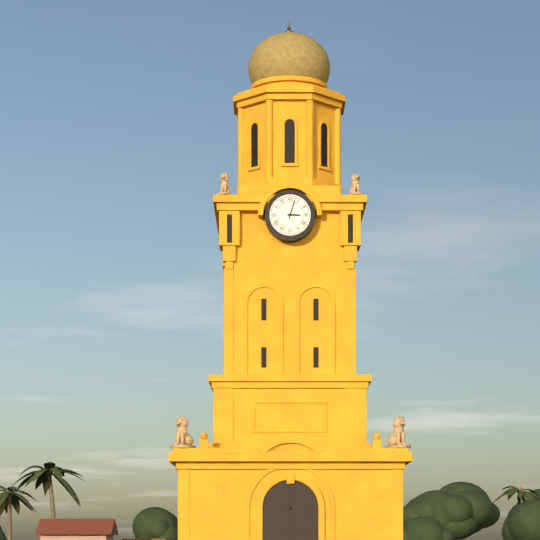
3:03
